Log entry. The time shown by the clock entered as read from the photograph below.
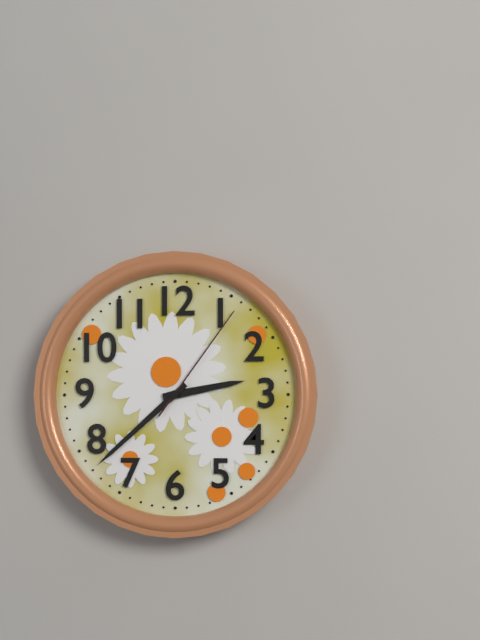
2:38:06
